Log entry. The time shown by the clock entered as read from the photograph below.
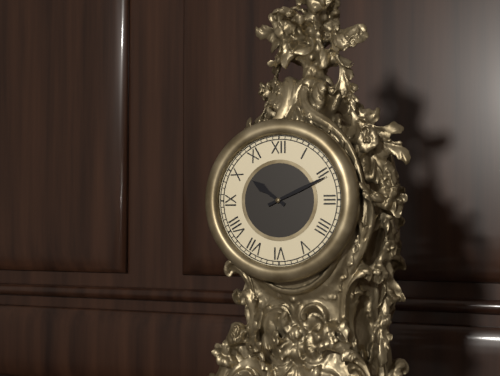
10:11
